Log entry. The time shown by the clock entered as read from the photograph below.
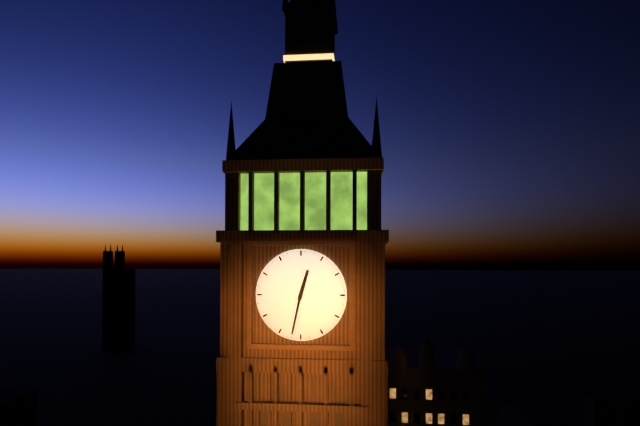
12:32
